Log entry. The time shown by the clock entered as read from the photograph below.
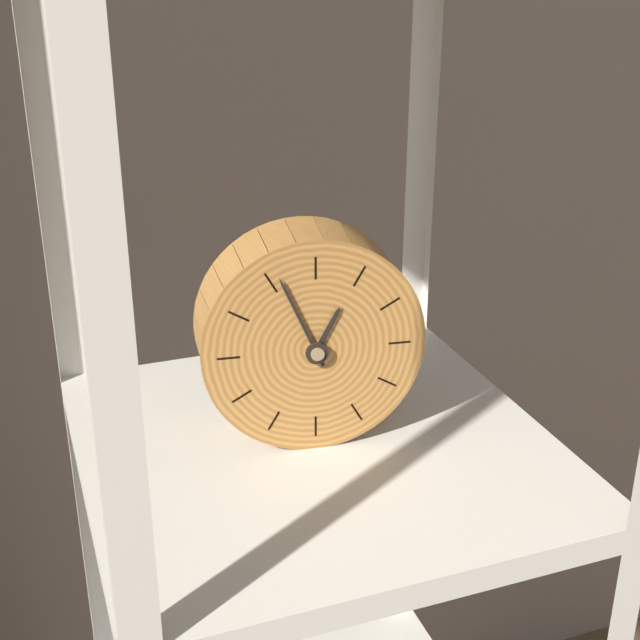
12:56
